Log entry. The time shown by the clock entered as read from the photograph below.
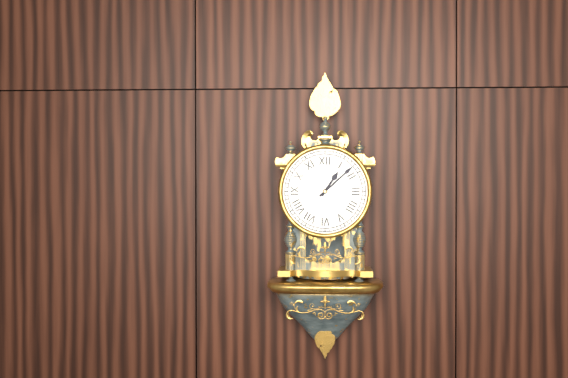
1:08
